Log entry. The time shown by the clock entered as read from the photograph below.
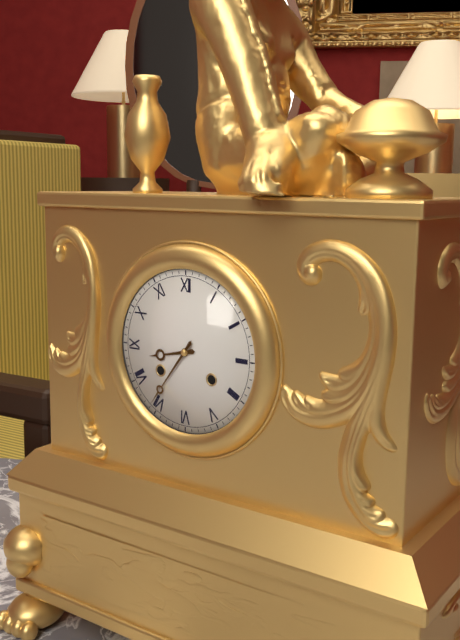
8:36
